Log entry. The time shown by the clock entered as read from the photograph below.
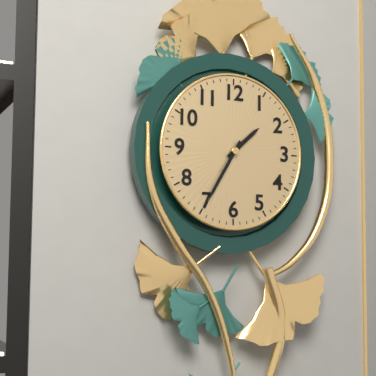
1:35
